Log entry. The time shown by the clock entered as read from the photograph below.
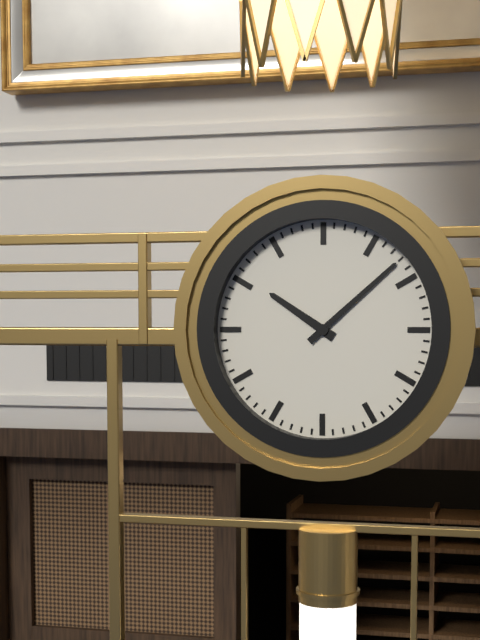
10:08
